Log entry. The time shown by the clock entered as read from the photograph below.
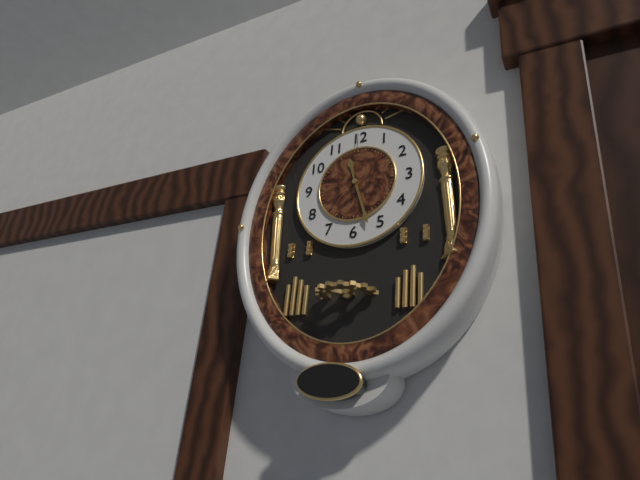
11:27:00
